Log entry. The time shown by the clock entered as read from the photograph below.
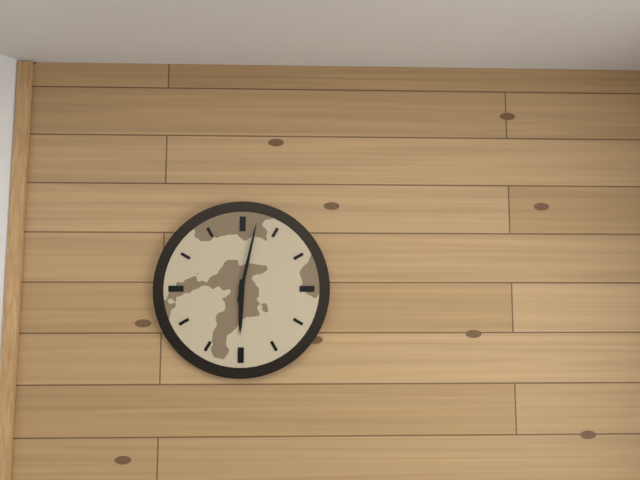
6:02
